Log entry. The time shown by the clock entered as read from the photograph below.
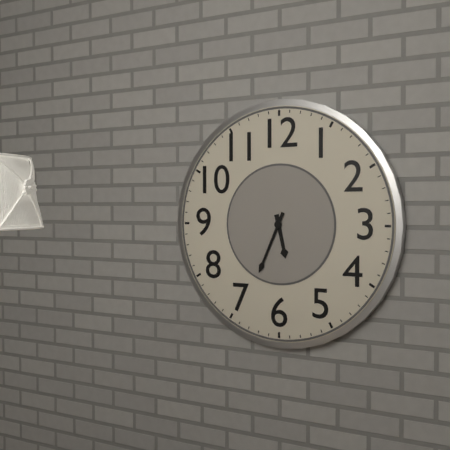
5:34
